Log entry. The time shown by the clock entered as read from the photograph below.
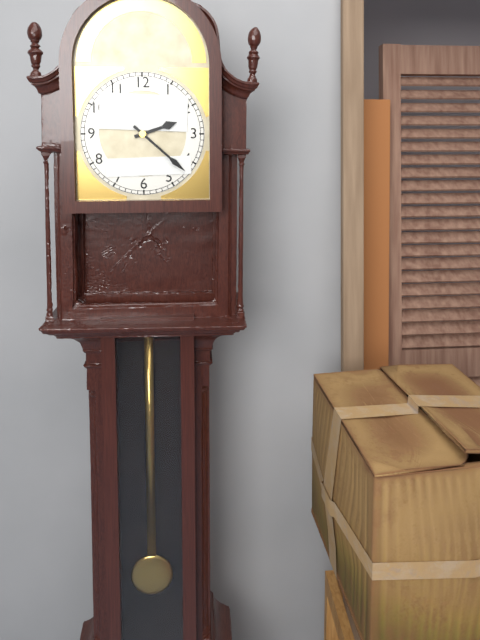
2:22
